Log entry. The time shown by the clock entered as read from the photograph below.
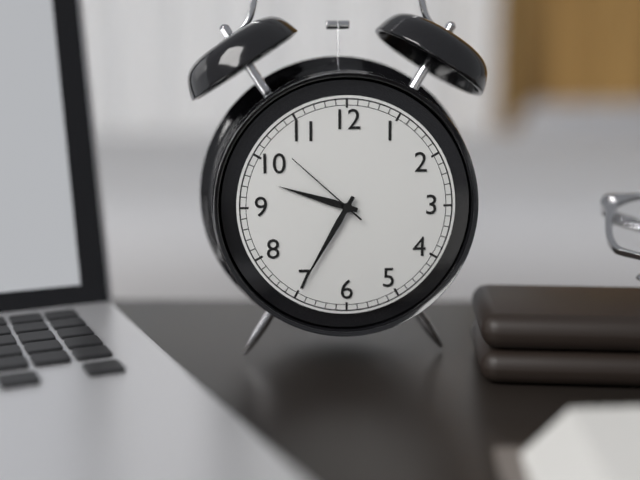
9:35:52
